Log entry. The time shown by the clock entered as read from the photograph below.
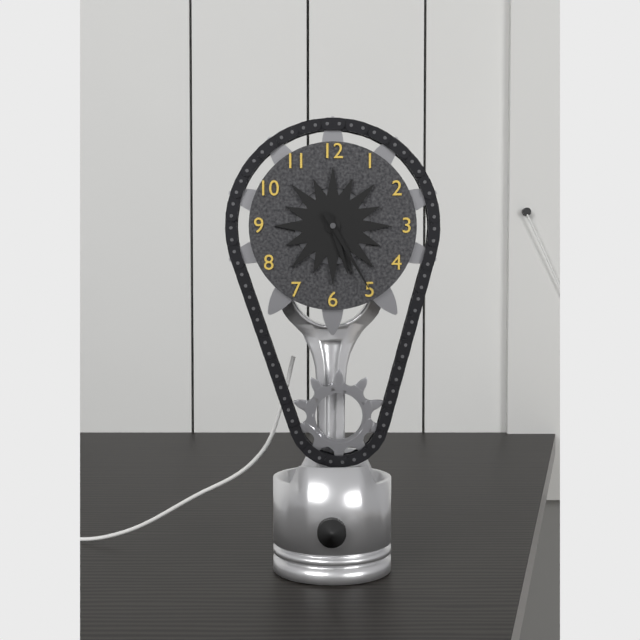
5:25
